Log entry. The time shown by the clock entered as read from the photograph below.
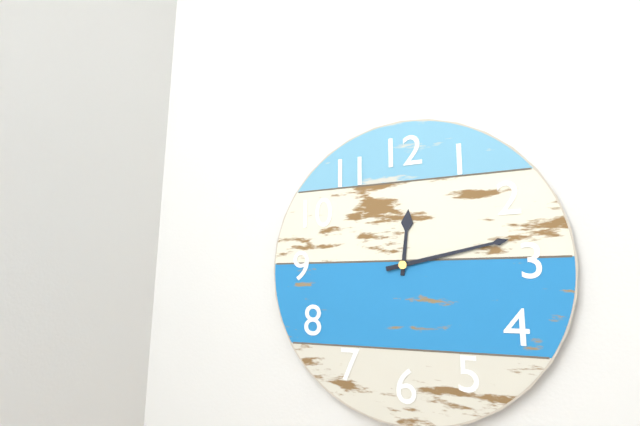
12:13
